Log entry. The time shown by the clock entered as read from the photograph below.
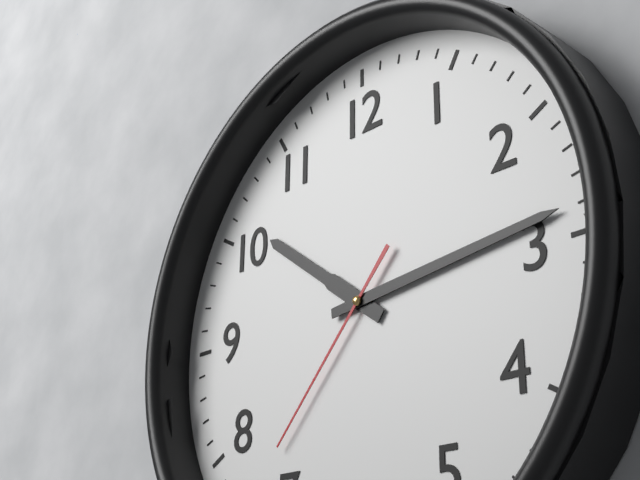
10:14:37
